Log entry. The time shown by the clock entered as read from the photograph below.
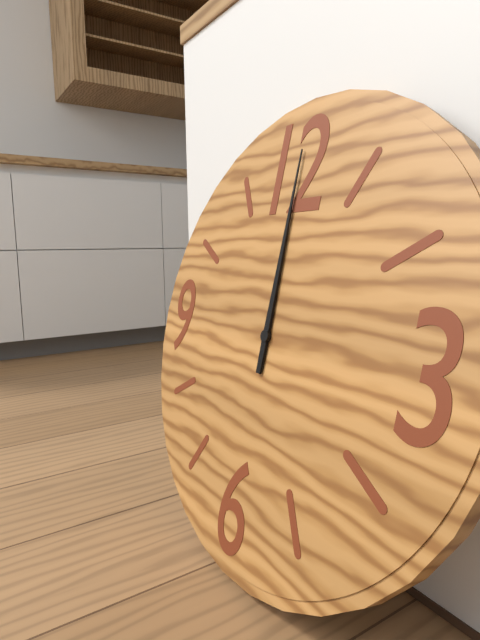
12:00
